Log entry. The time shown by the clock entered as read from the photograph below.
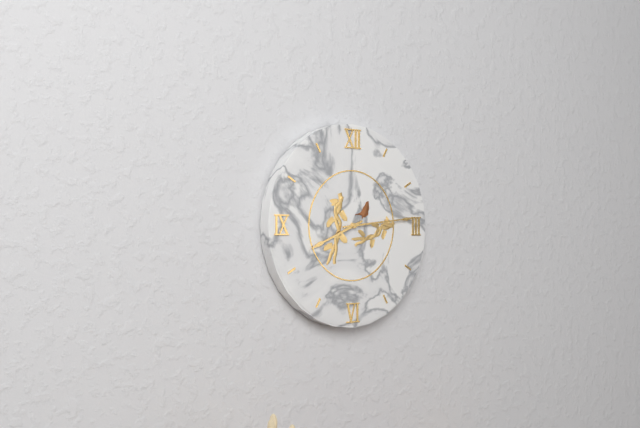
8:14
